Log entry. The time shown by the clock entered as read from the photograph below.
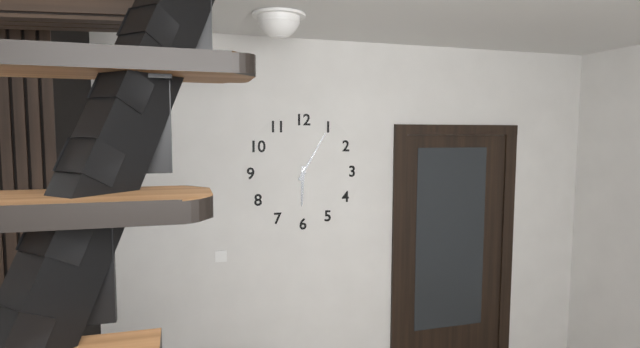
6:05
